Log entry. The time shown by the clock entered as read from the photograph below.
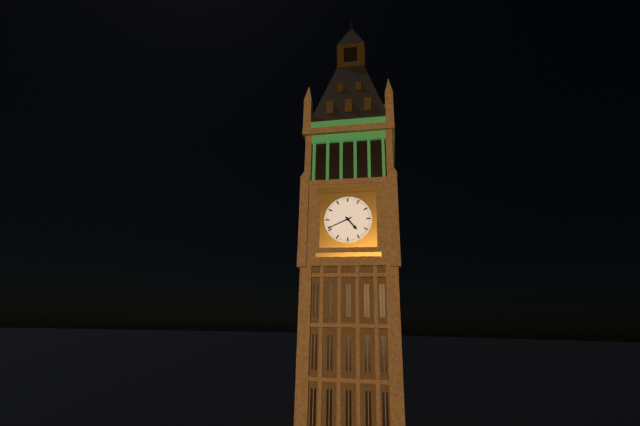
4:41
